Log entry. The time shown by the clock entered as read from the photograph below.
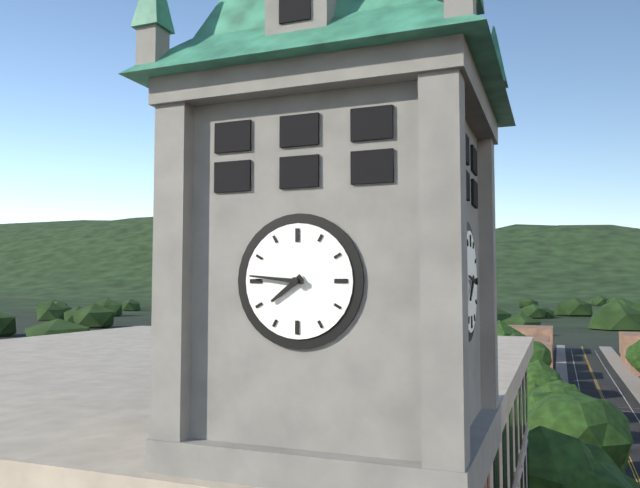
7:46
